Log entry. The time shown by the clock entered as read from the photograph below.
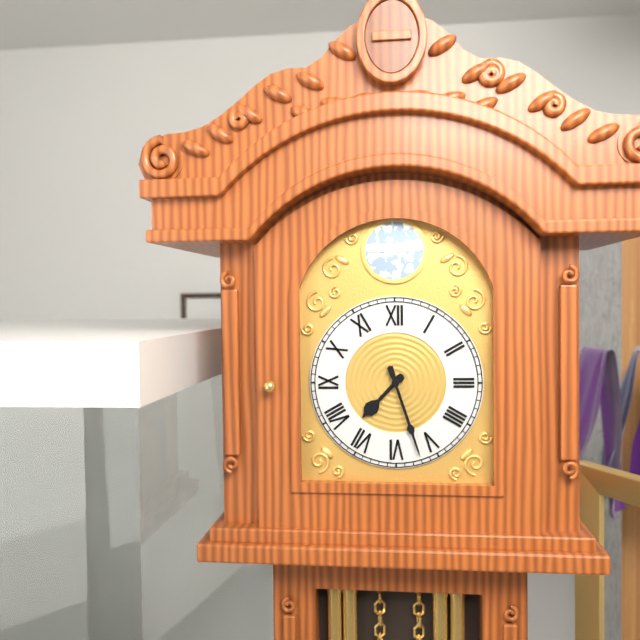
7:27
